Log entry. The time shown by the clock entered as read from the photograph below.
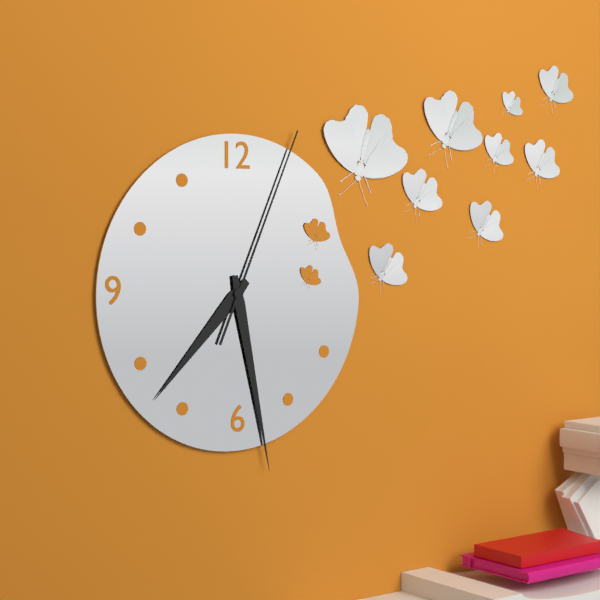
7:28:04
